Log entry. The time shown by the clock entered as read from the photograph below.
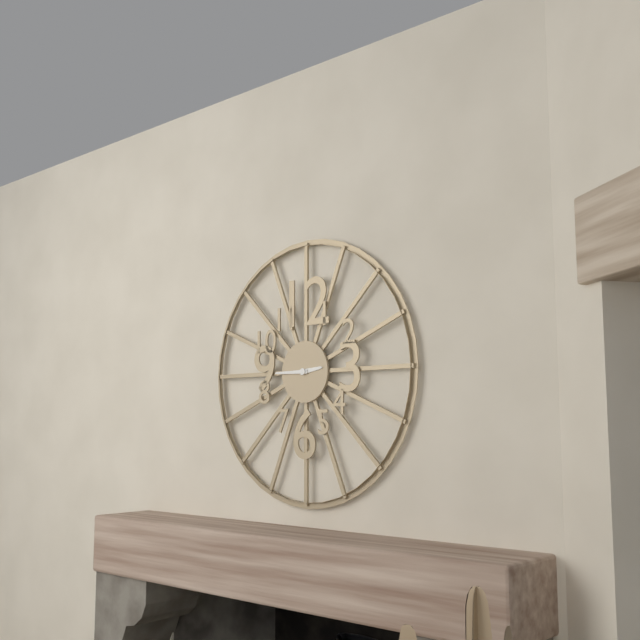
2:45
